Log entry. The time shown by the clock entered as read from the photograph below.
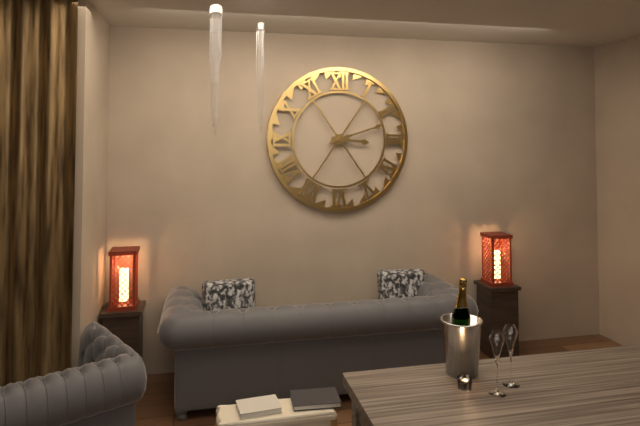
3:12
